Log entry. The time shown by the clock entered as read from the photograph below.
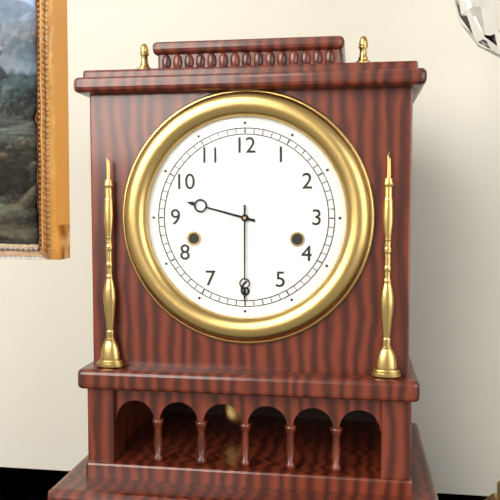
9:30
